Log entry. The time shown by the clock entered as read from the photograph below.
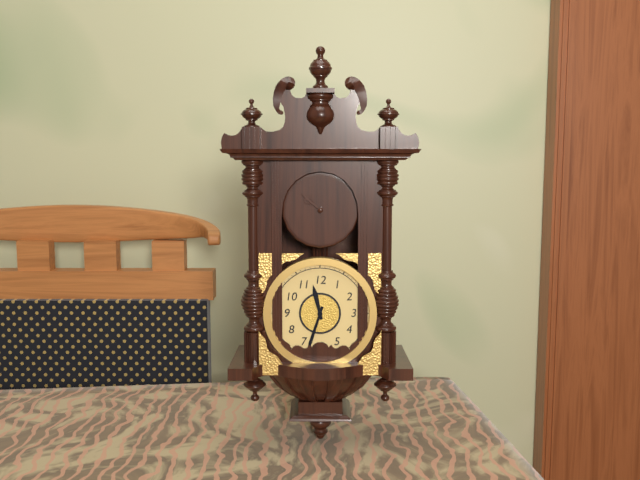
11:33
